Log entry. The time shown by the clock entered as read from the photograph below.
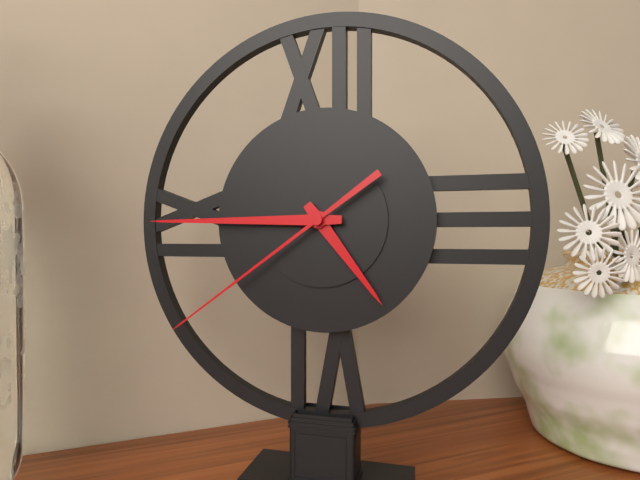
4:45:39
